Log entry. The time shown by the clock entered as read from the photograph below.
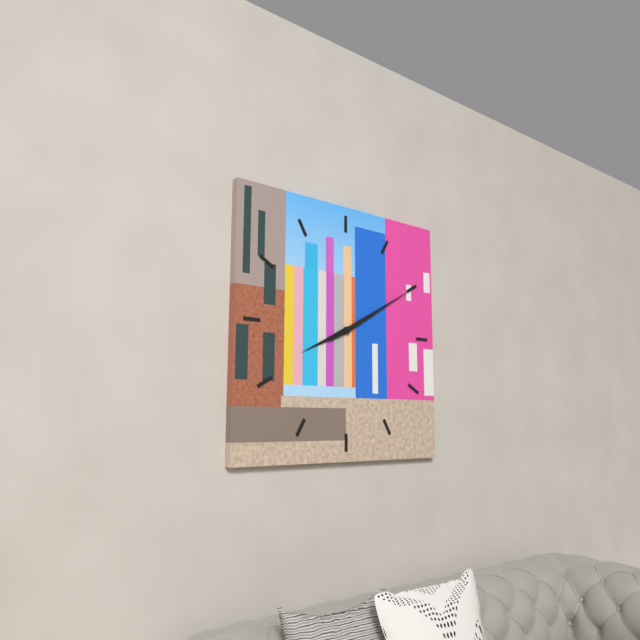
8:10
